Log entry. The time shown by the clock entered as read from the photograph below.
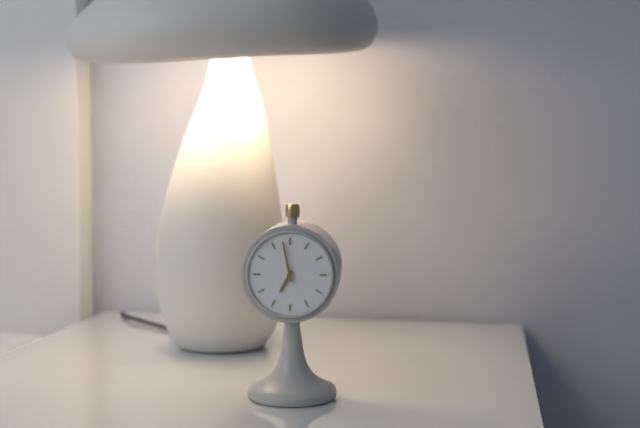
6:58
